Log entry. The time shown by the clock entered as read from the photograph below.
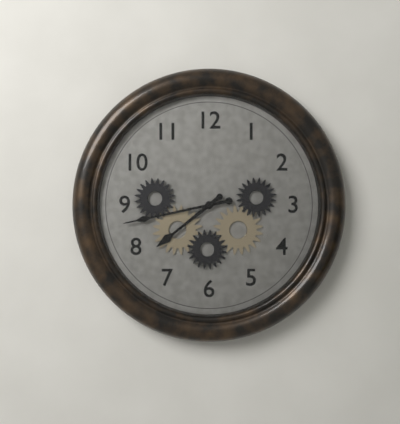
7:43
